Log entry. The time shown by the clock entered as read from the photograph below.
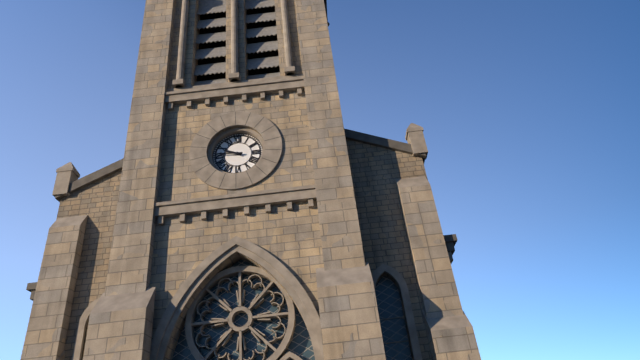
9:46
